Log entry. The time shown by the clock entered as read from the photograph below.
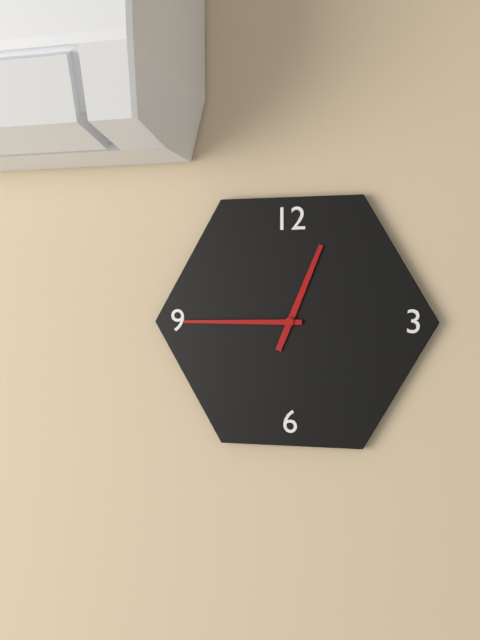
12:45
